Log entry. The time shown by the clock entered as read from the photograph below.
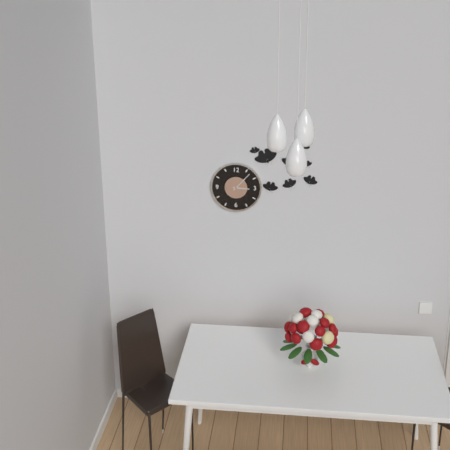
3:07
